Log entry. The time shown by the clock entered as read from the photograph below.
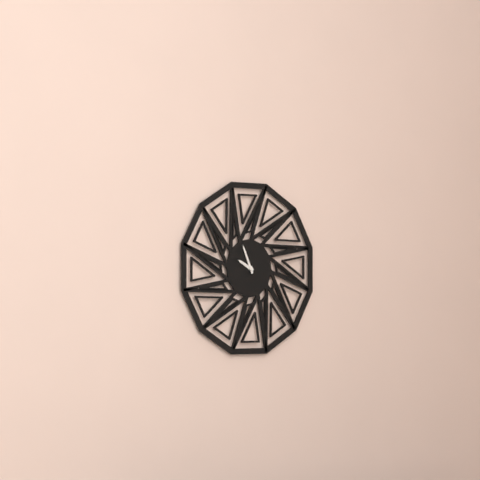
9:56
